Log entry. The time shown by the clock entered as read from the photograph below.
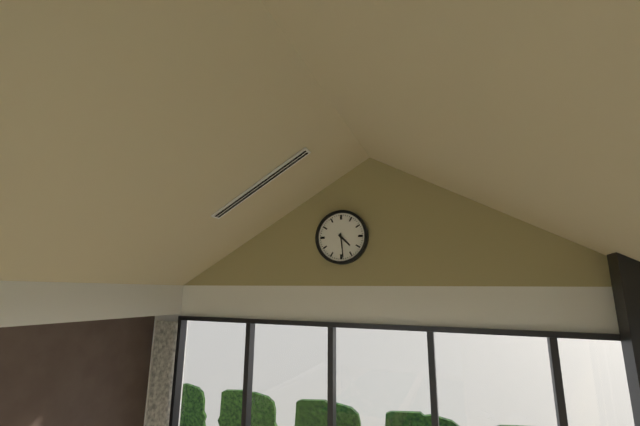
4:29
